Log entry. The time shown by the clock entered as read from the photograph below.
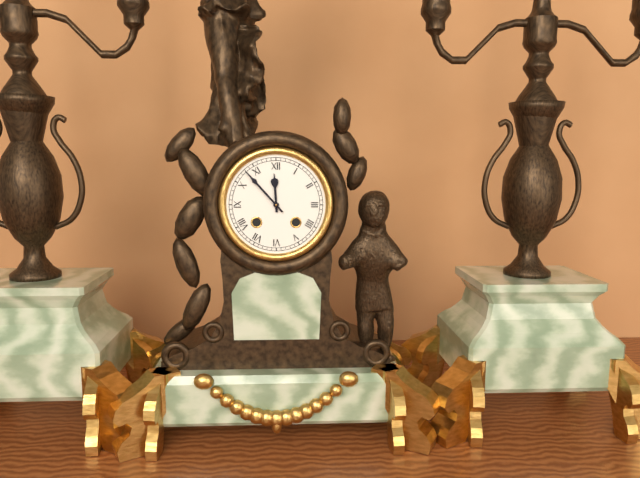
11:53
